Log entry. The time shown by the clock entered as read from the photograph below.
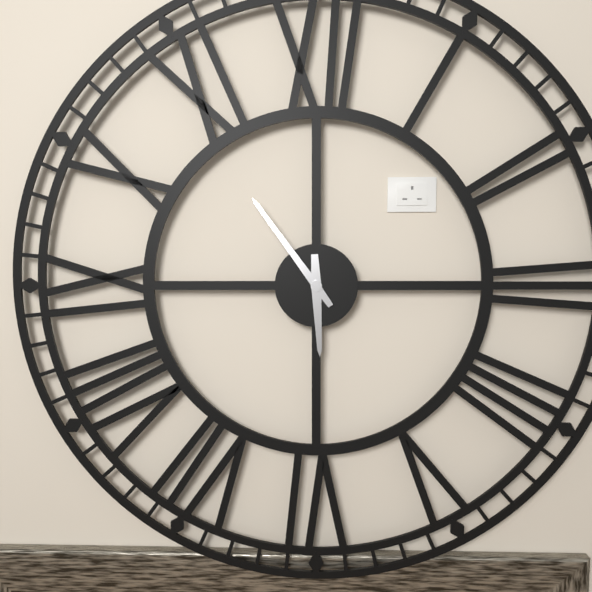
5:54
